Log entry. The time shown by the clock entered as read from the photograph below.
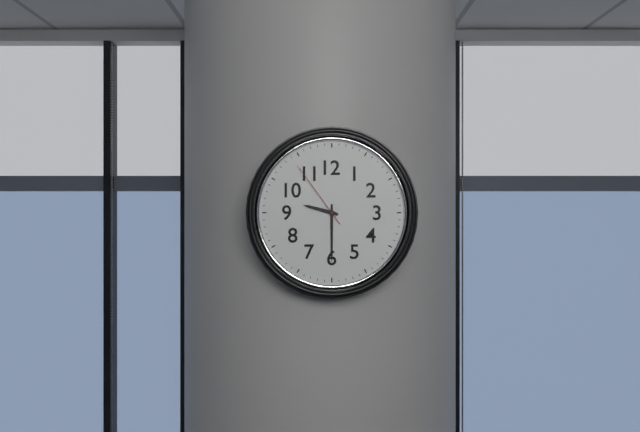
9:30:54
